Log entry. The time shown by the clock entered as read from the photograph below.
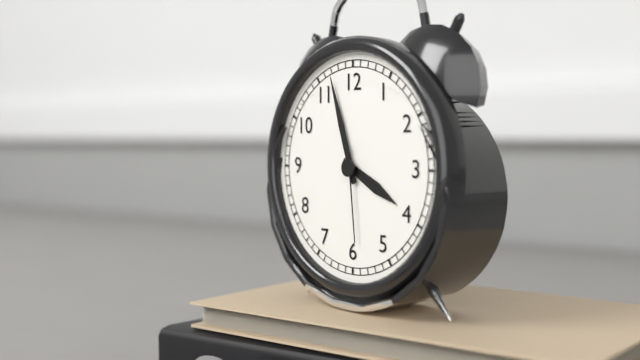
3:57:29
